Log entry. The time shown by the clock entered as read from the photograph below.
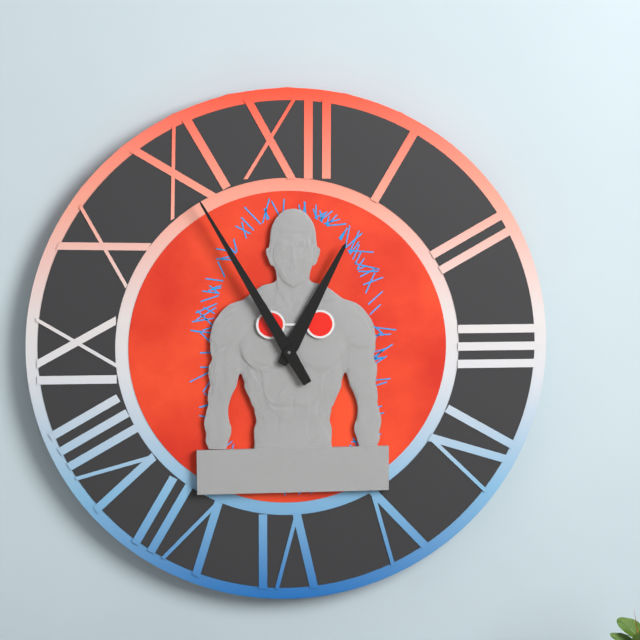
12:55
